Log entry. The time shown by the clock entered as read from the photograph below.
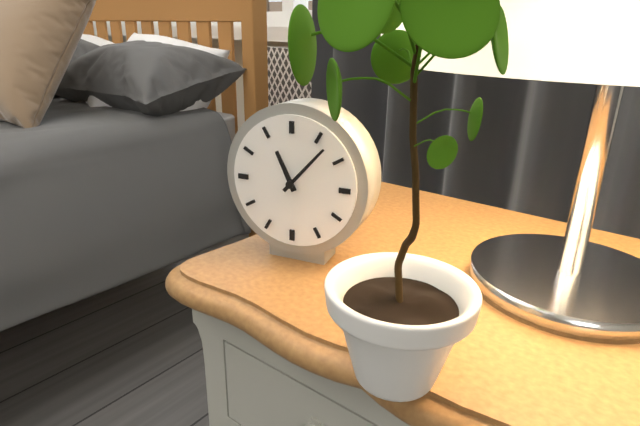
11:07
